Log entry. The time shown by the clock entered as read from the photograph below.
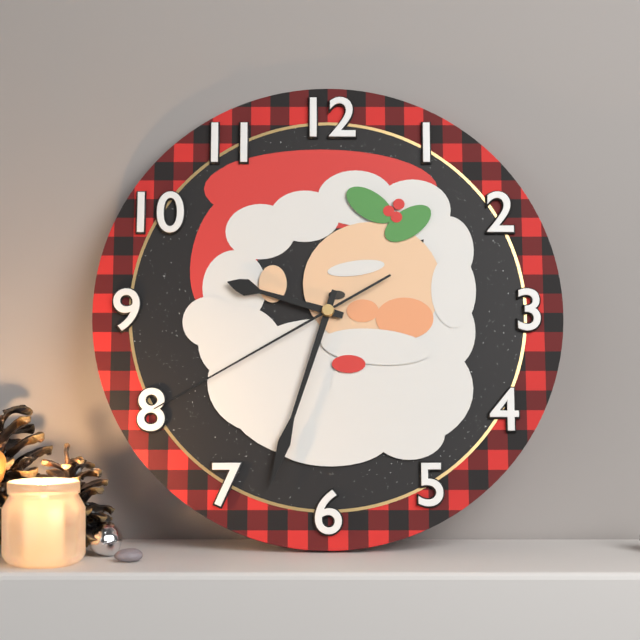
9:33:40
